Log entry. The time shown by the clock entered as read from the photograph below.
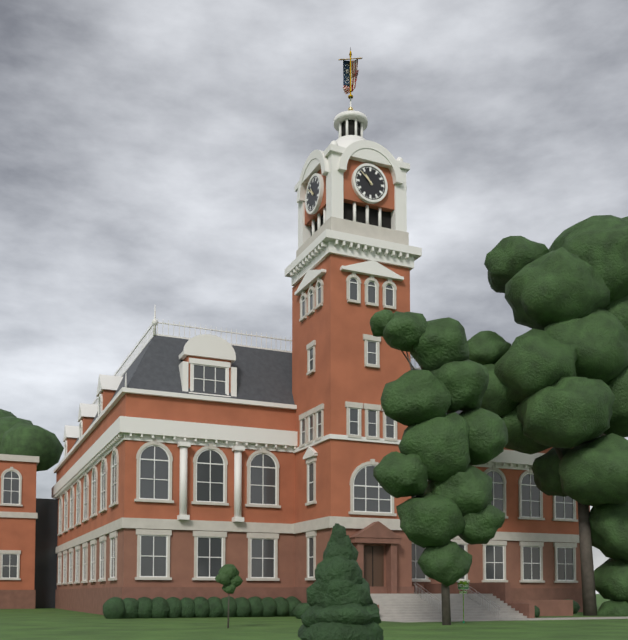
10:52
